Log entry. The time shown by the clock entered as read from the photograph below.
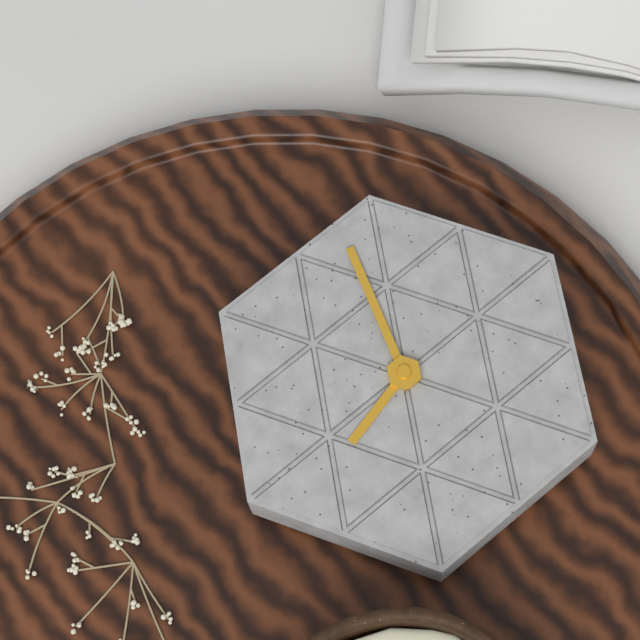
2:33
